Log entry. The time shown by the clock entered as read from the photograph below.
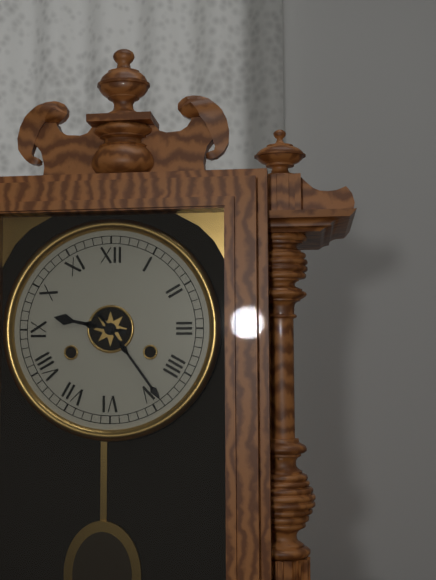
9:24
